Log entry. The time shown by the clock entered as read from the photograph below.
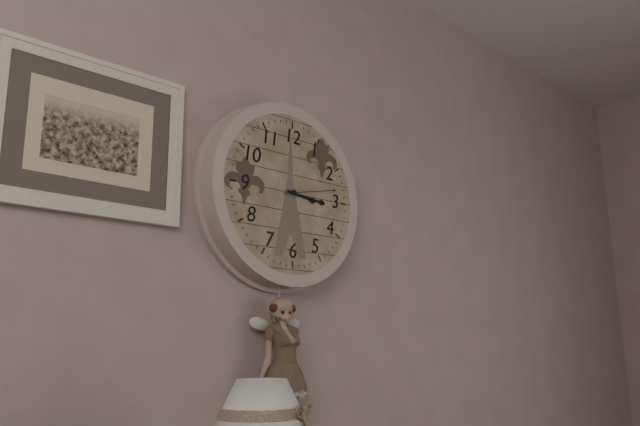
3:16:13
